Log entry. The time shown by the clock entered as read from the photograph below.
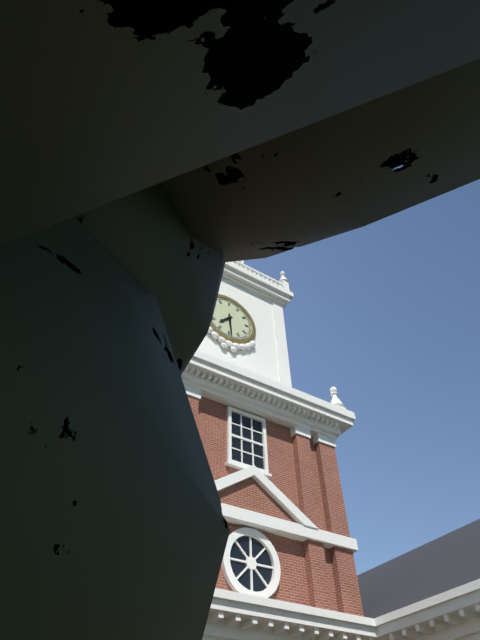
7:29
